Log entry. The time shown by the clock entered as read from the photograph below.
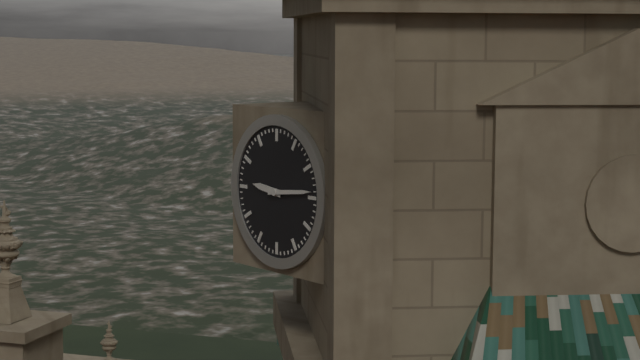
9:14
